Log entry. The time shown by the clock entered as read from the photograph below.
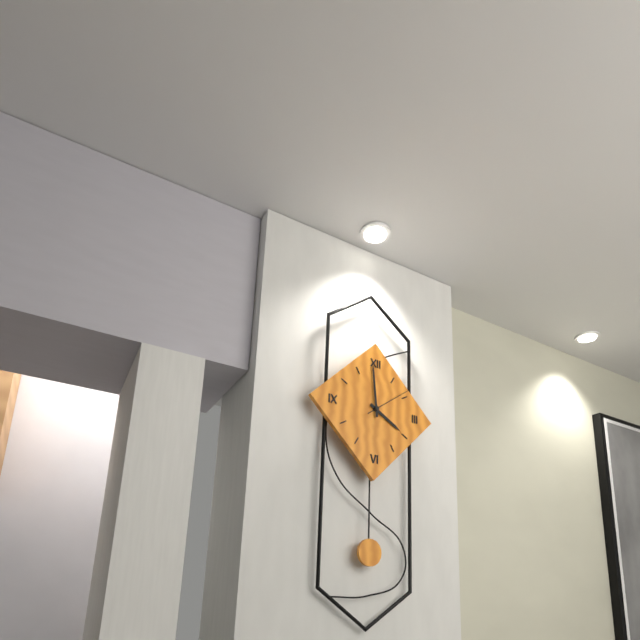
3:59
